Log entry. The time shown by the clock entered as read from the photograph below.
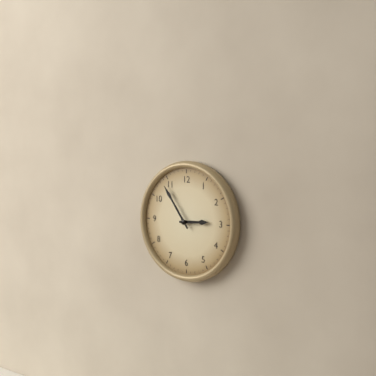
2:54
